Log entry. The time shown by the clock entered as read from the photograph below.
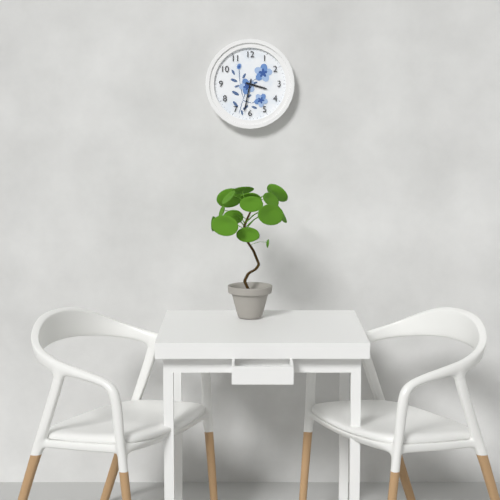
3:32
